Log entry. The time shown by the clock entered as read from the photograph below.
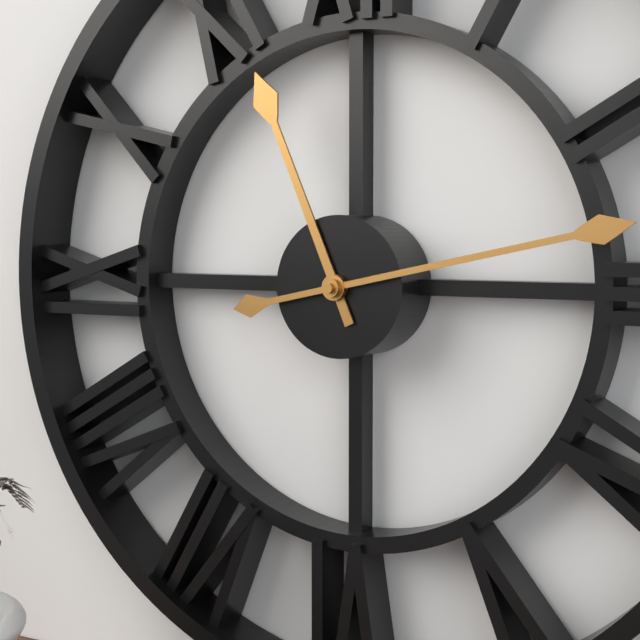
11:13
